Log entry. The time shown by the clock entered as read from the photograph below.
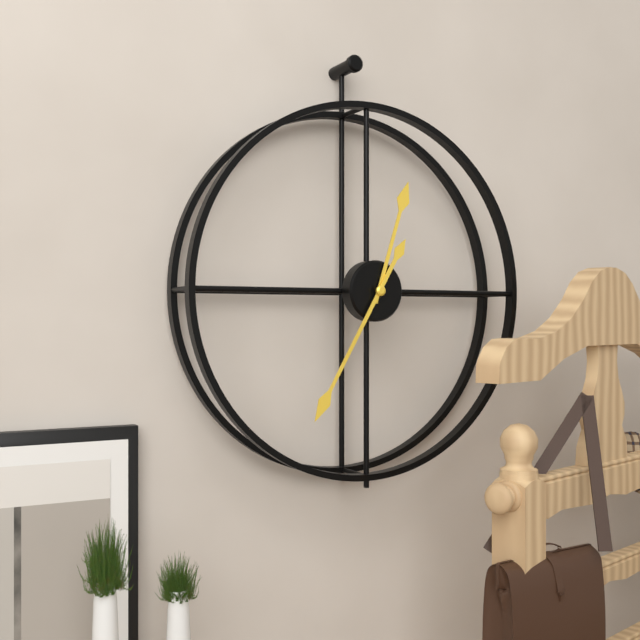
12:35
